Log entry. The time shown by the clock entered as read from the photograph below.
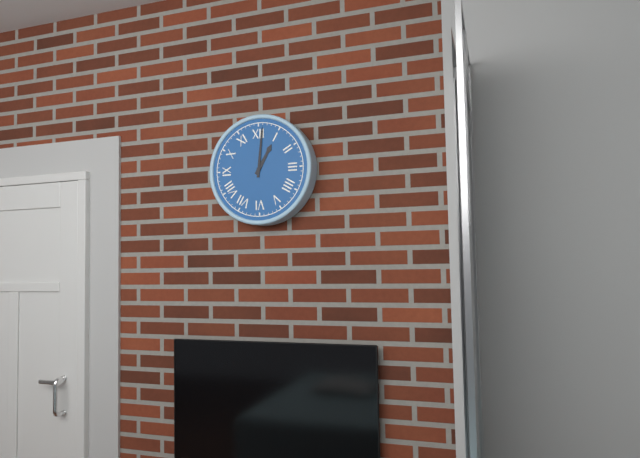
1:01
